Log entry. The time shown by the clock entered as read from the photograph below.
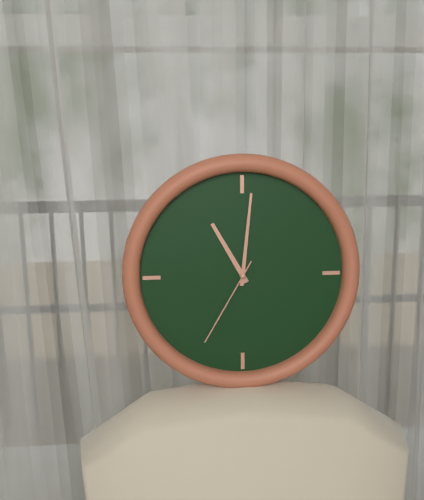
11:01:35
